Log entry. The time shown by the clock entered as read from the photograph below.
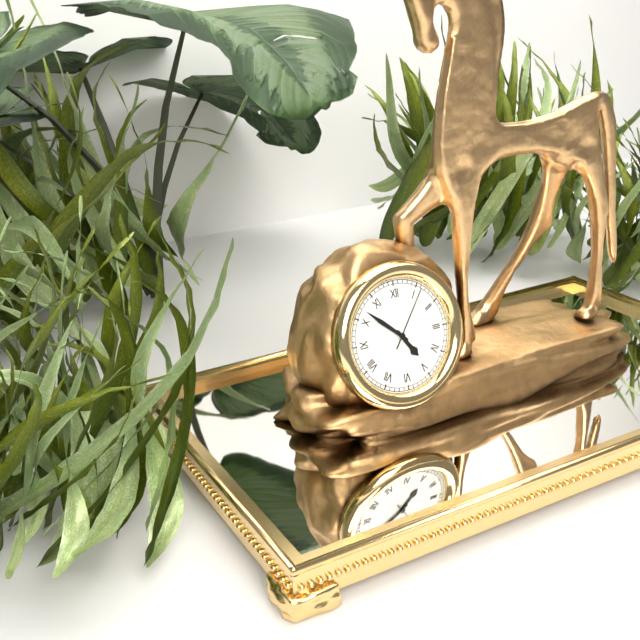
4:52:06
